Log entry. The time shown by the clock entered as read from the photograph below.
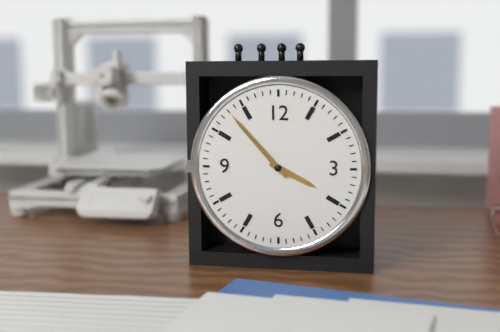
3:53
